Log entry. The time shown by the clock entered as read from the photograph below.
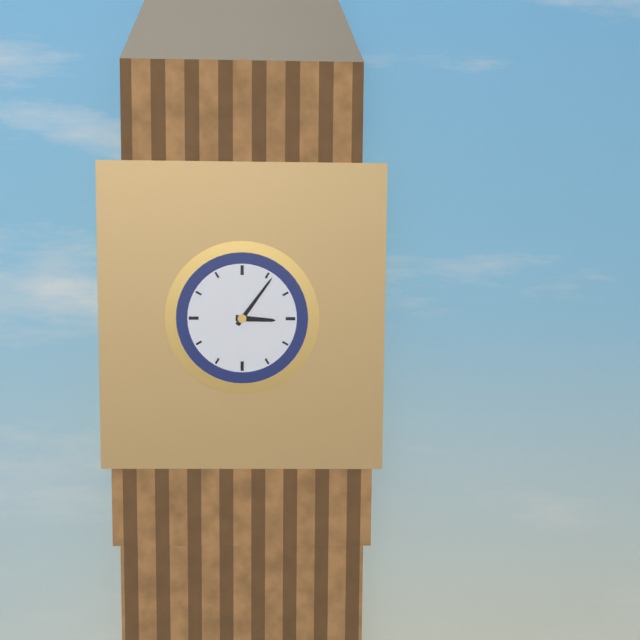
3:06
